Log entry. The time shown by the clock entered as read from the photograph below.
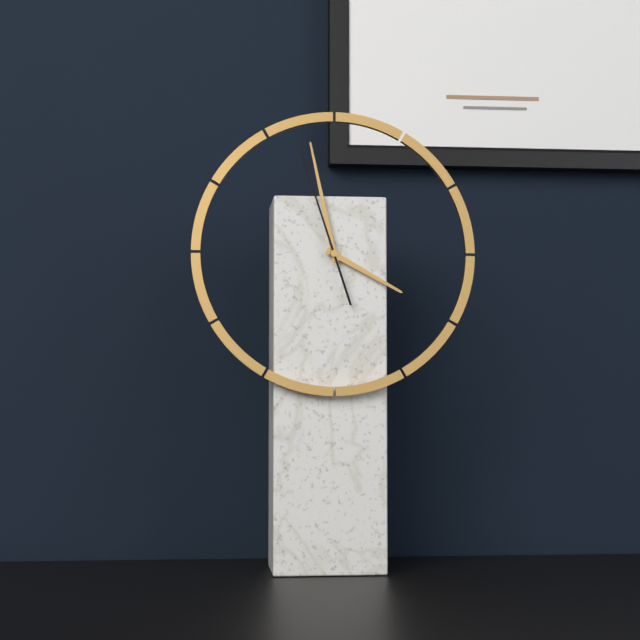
3:58:57
